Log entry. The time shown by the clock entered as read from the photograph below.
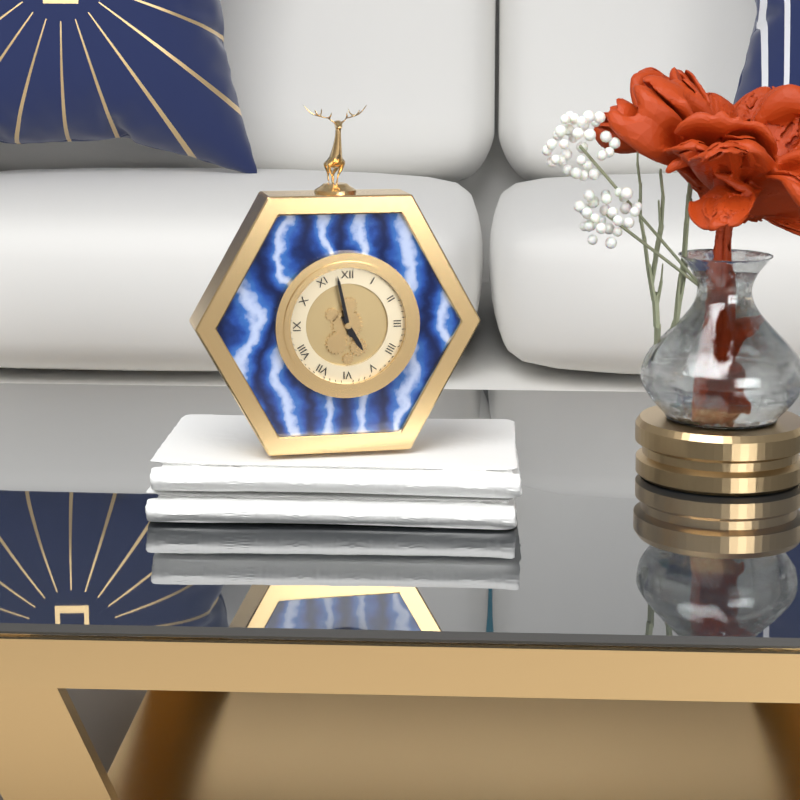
4:58
